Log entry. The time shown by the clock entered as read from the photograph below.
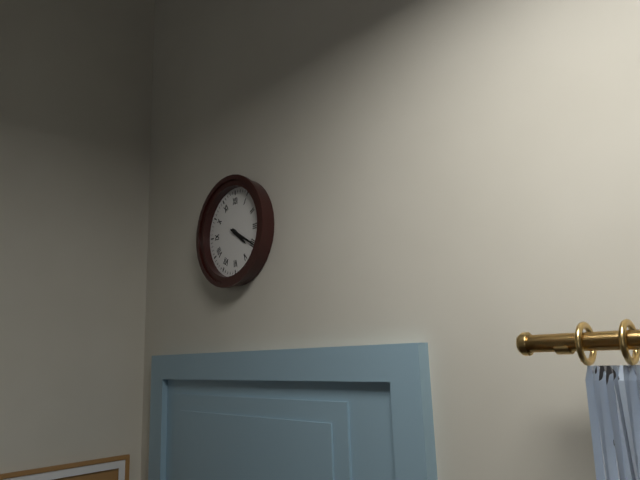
4:20
